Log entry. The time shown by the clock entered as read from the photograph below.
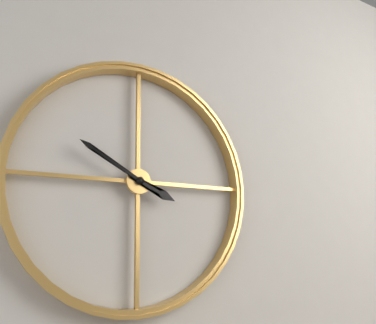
3:50
